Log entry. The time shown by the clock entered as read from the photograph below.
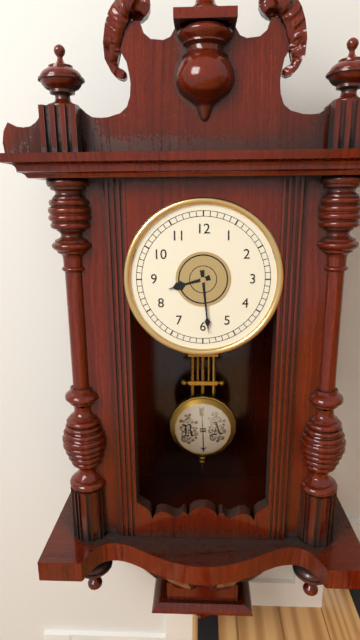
8:29
